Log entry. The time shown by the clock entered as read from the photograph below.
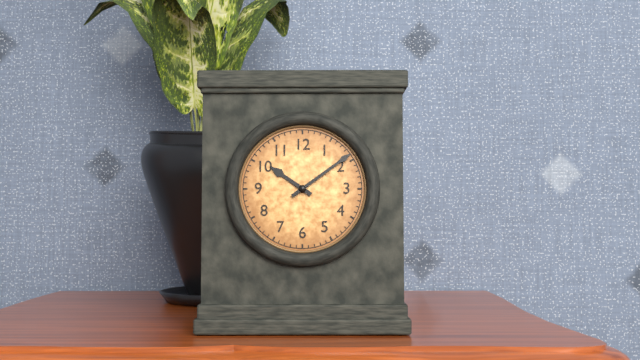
10:09
